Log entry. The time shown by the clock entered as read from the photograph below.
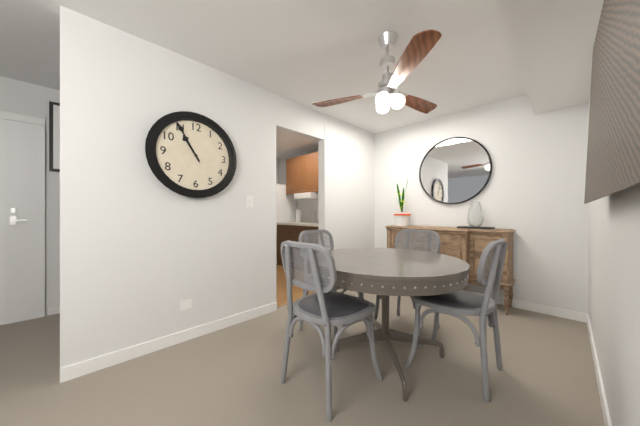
10:55
